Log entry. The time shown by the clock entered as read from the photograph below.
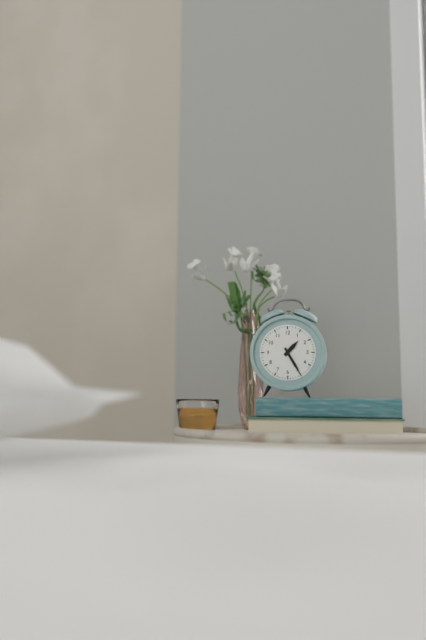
1:25
